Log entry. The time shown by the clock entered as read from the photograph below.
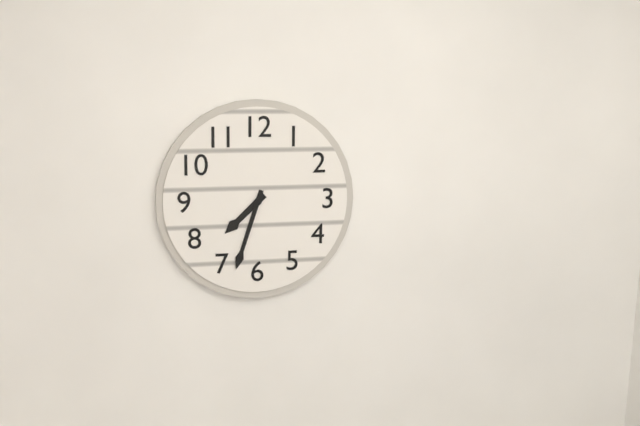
7:33
